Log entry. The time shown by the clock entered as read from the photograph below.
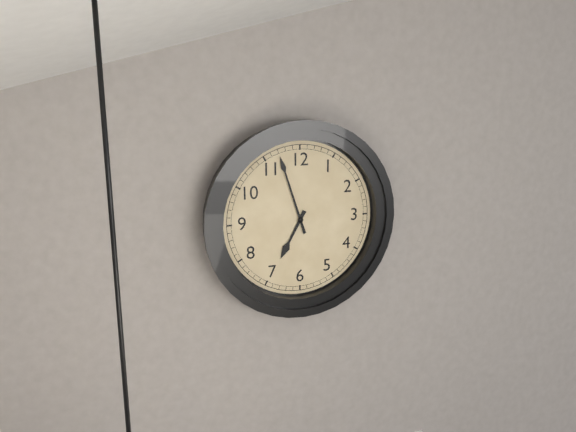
6:57
